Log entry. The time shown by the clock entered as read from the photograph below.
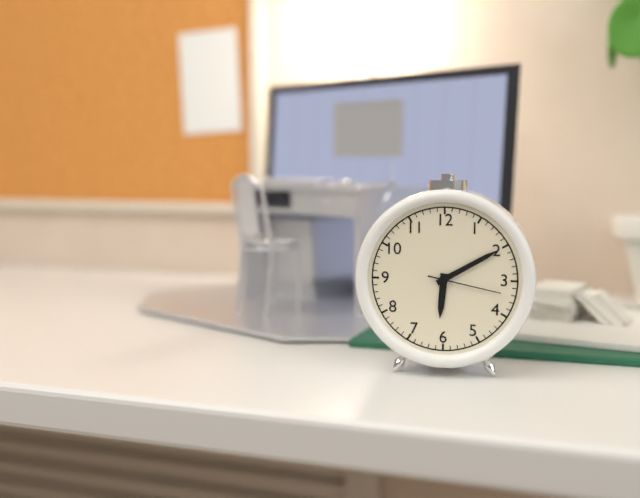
6:10:17
